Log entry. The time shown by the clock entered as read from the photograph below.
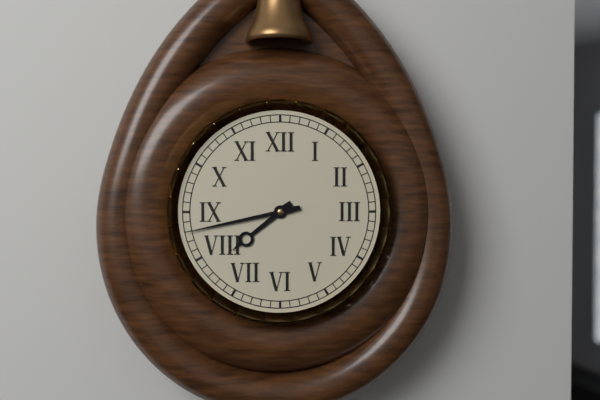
7:43
